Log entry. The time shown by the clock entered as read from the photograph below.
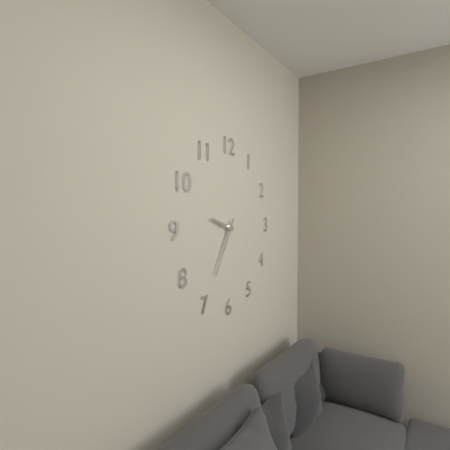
9:35
